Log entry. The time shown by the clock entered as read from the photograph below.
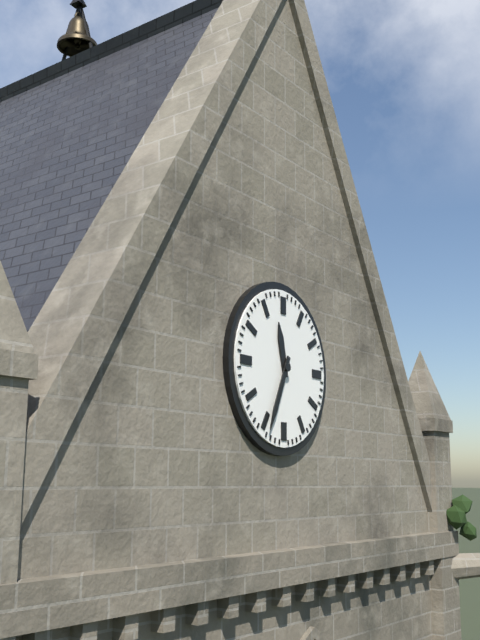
11:34
